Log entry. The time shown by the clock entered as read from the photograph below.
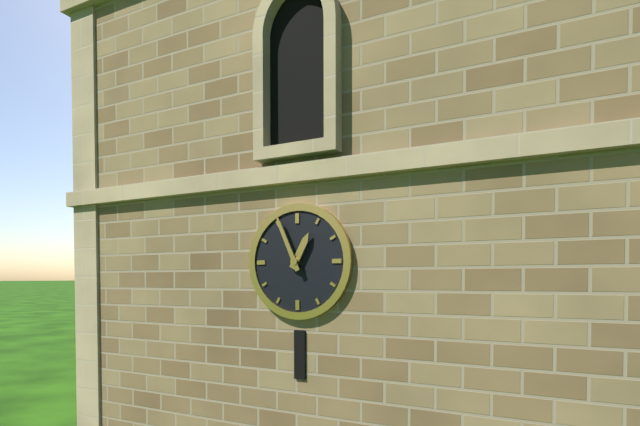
12:56
